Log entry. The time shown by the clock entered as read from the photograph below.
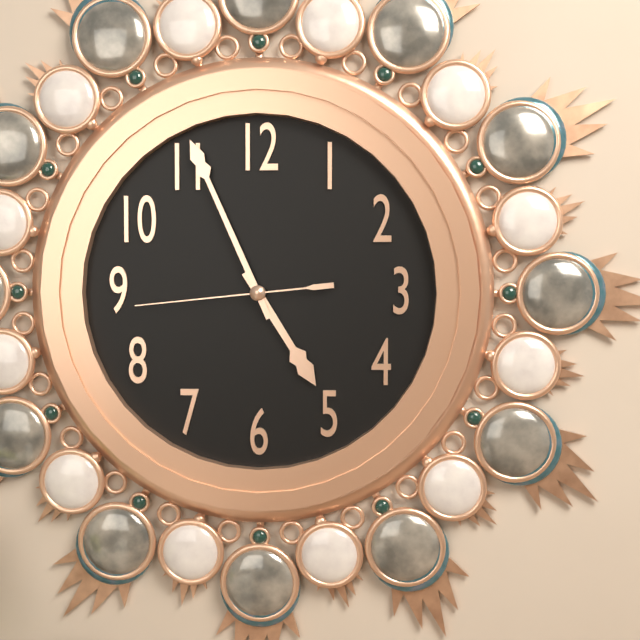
4:56:44
